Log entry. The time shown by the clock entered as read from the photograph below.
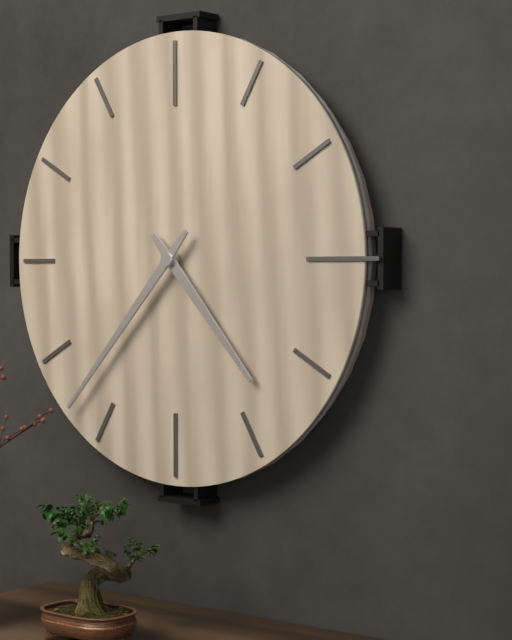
4:37
